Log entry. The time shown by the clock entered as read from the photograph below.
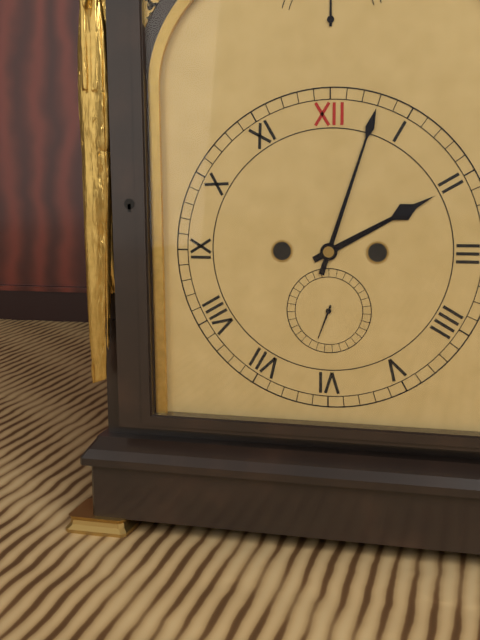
2:03
